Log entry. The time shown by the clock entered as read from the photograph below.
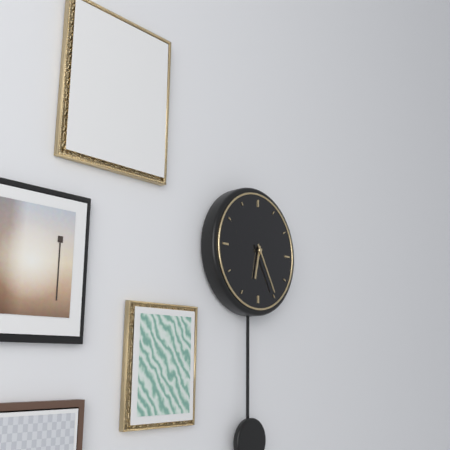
6:25
